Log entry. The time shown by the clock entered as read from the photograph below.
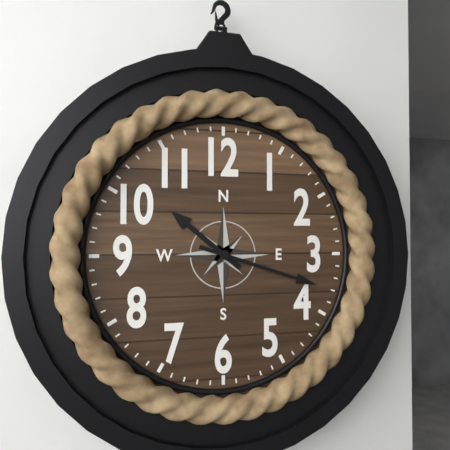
10:18
